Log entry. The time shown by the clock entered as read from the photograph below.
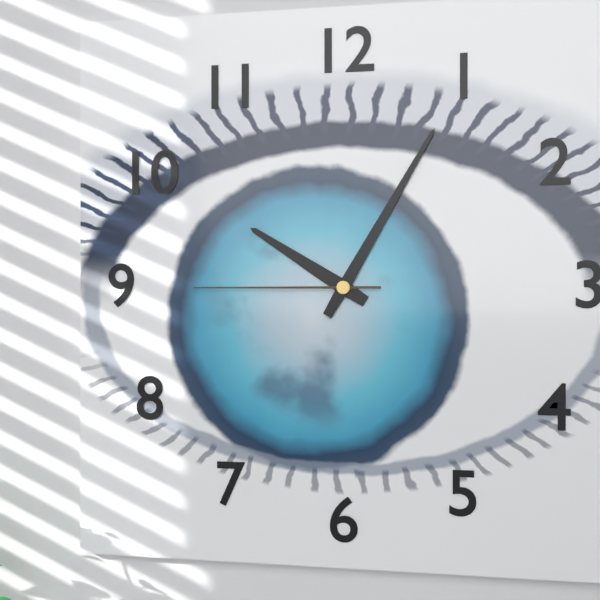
10:05:45
